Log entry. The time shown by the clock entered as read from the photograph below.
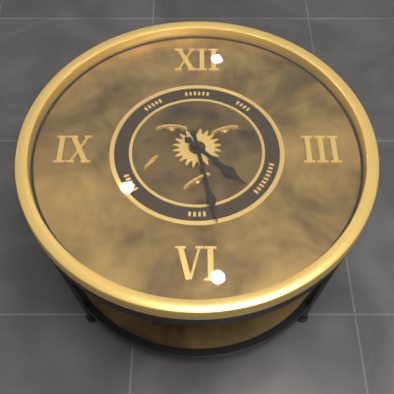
4:28
